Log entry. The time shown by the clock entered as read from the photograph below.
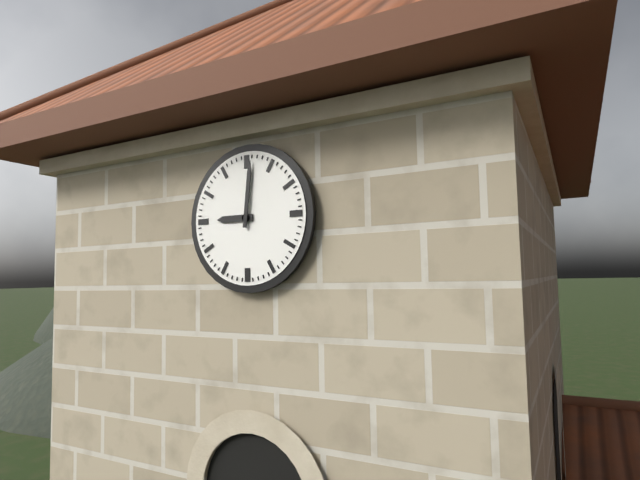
9:01
